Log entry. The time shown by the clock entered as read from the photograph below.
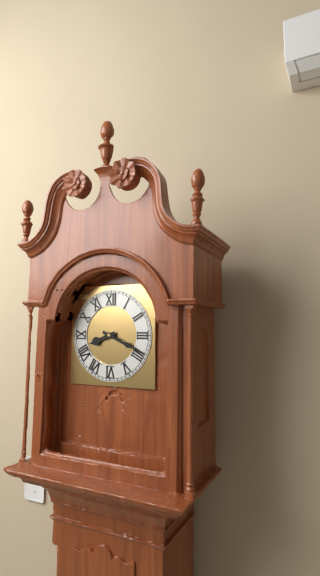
8:19
